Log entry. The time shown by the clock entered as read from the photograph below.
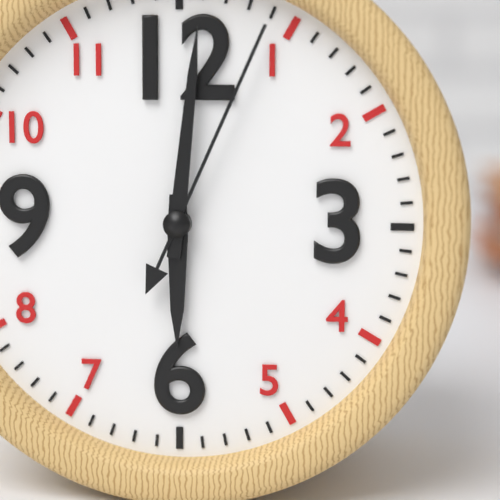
6:01:04
